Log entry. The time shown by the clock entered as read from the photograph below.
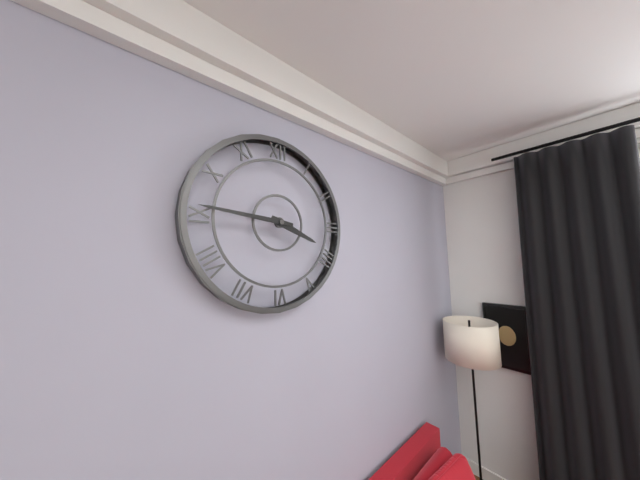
3:46
